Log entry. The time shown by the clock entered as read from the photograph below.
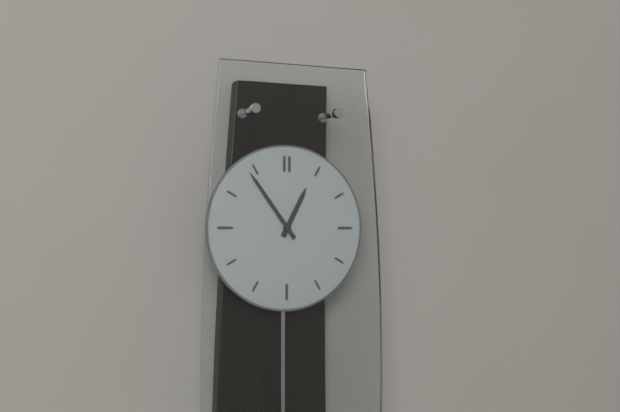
12:54
